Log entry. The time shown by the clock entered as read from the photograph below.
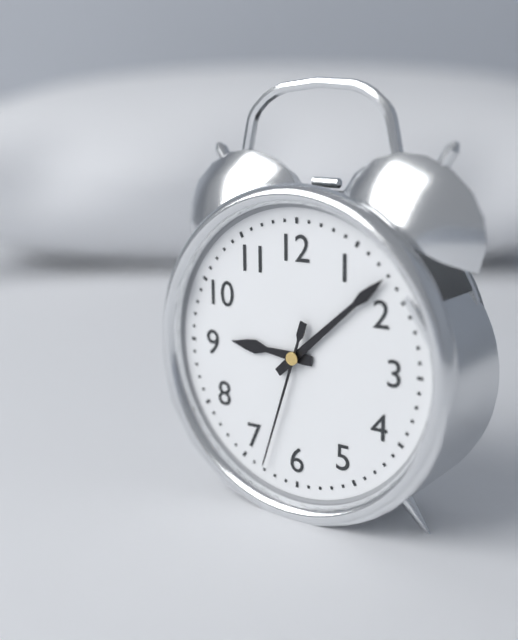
9:08:33
